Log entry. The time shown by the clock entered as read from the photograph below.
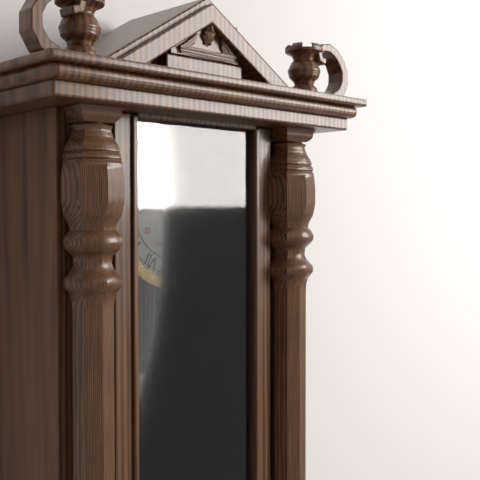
2:55
